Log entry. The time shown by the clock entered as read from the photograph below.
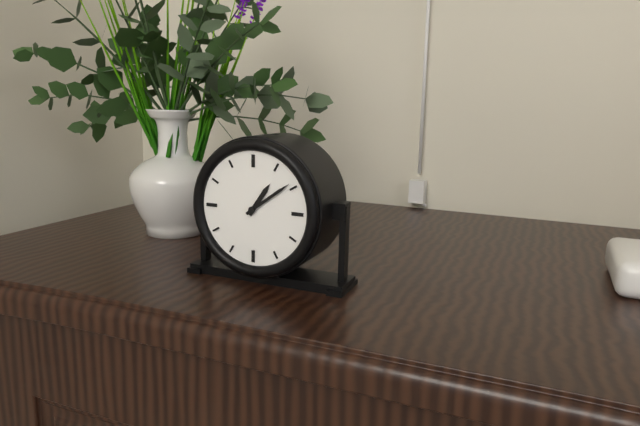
1:09
